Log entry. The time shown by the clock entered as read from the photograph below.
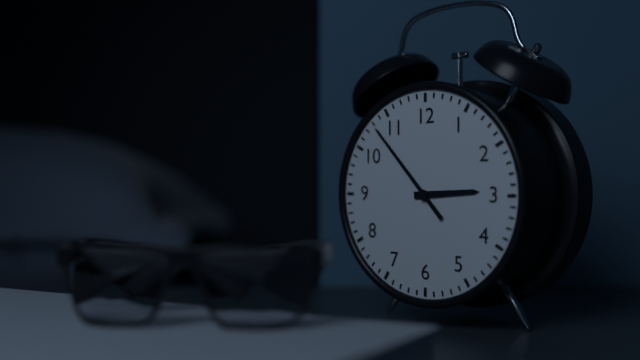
2:53
